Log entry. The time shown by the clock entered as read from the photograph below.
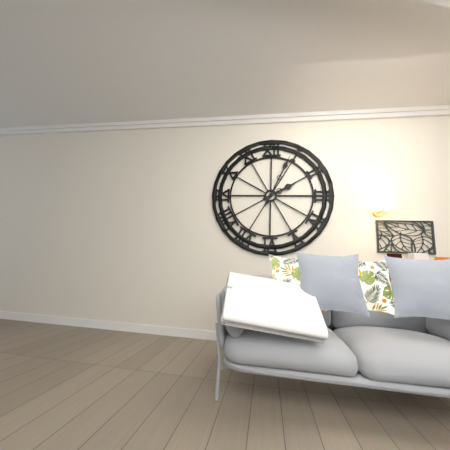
2:04
